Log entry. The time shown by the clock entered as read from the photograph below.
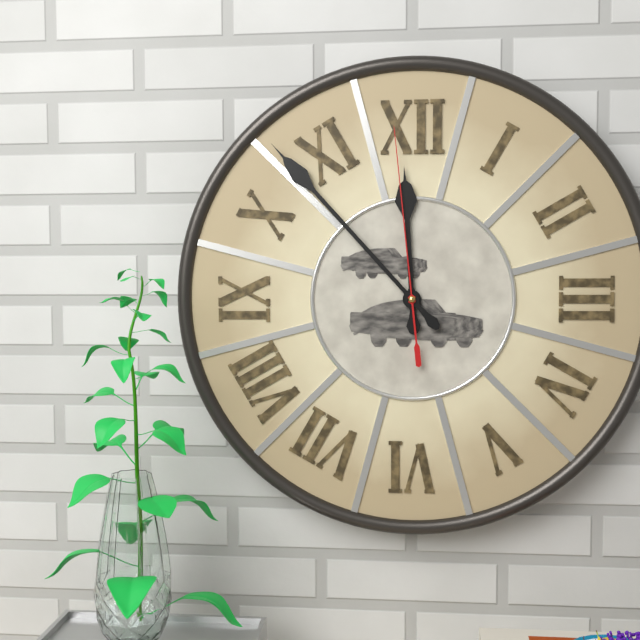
11:53:59
